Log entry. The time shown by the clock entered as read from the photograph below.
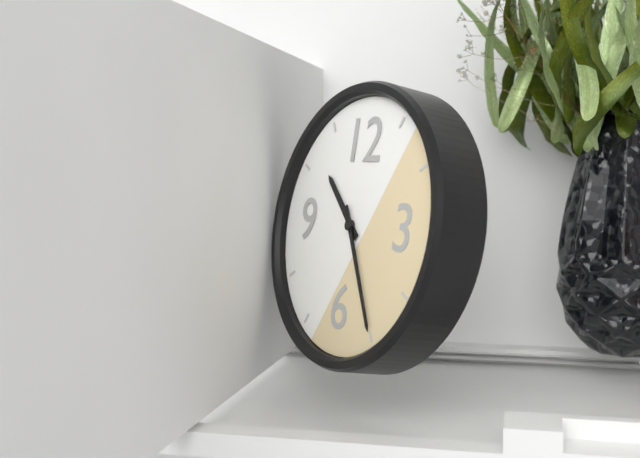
10:25
